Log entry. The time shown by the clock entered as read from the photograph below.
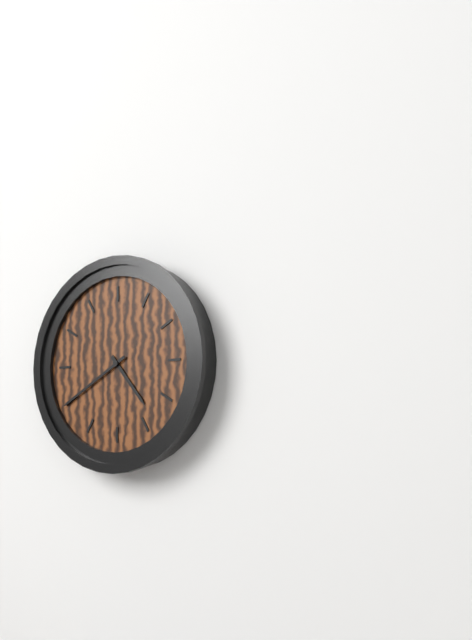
4:40
